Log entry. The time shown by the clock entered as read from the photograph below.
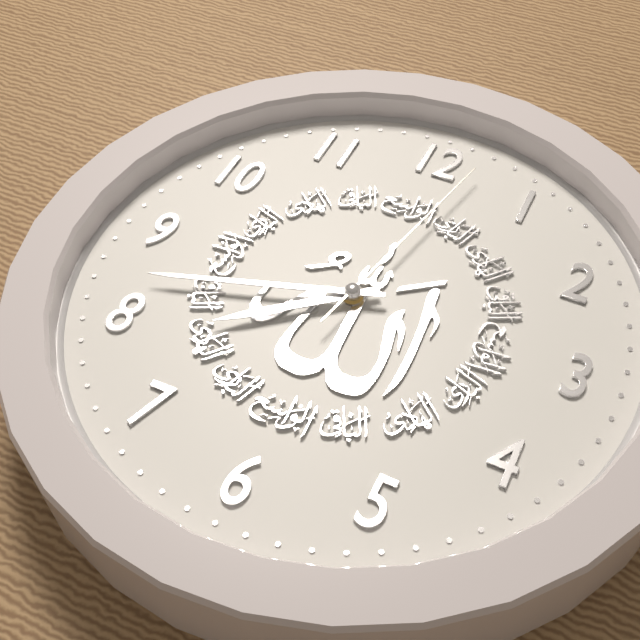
7:42:02
